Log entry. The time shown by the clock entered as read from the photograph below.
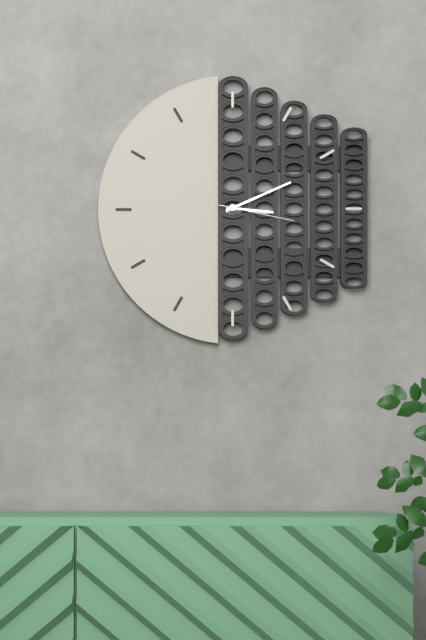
3:11:17
